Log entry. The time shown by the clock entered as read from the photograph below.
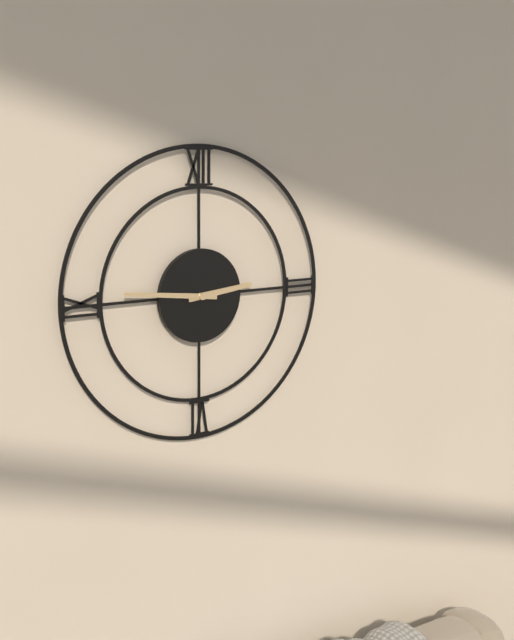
2:46
